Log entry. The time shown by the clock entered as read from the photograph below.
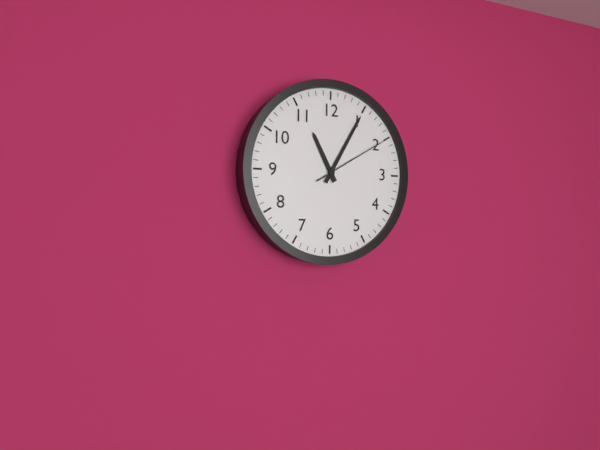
11:05:10
